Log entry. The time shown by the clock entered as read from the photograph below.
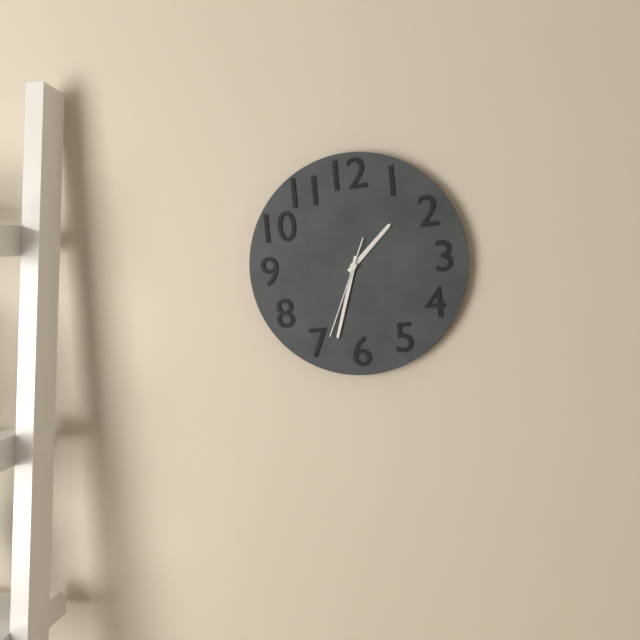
1:33:34
